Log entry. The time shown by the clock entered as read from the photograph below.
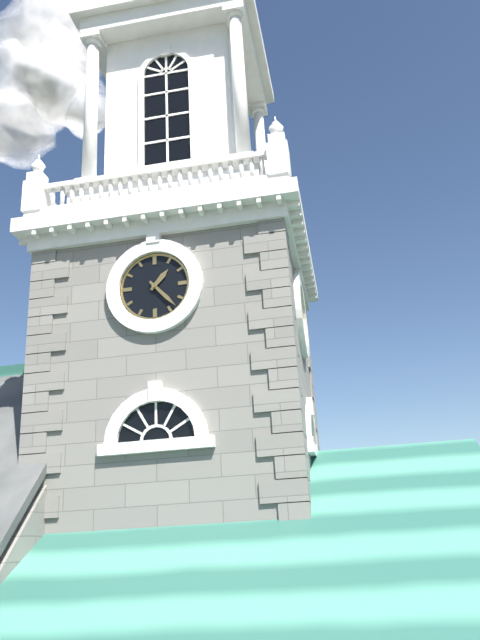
1:23
